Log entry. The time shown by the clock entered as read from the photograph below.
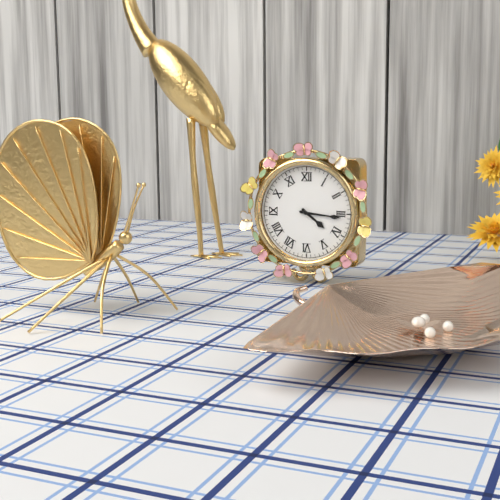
4:16
